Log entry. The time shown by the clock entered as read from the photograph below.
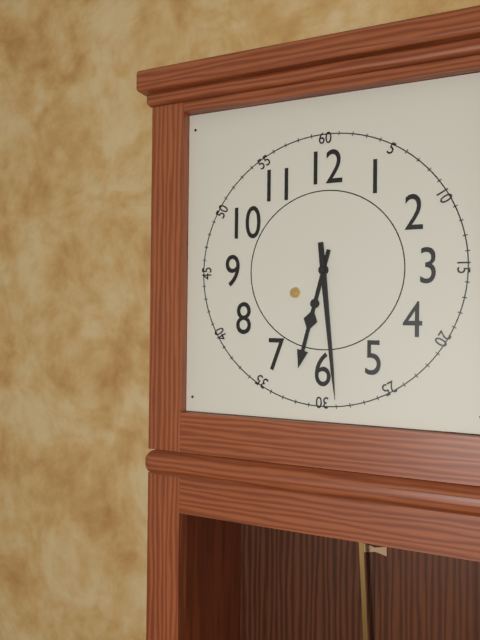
6:29
